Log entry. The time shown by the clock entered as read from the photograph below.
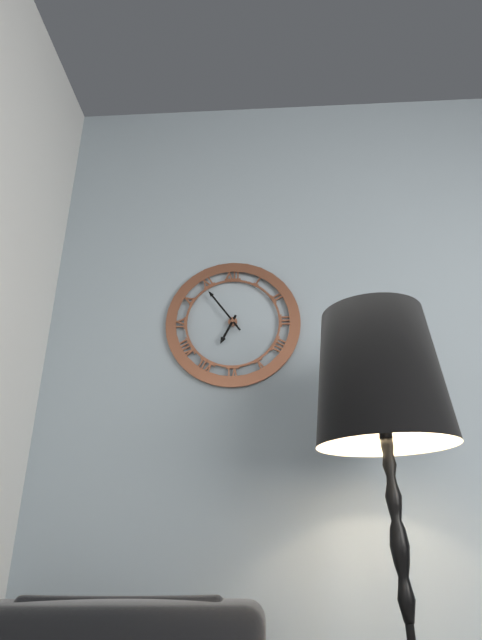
6:54
